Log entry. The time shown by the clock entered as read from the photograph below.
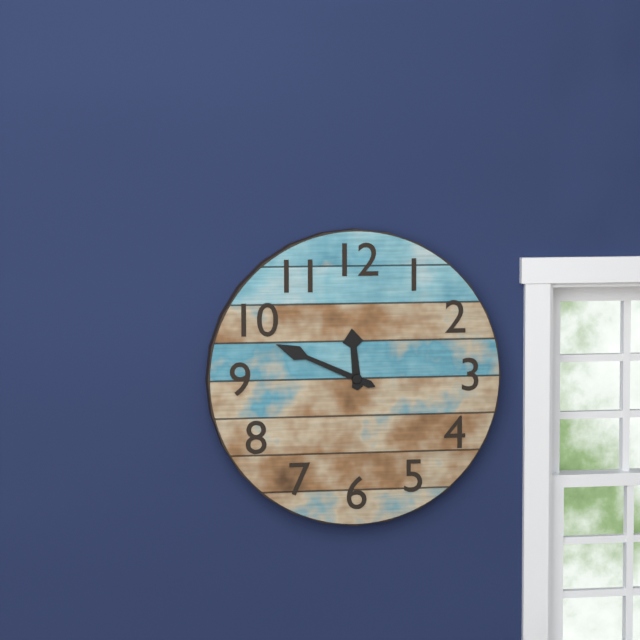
11:49
